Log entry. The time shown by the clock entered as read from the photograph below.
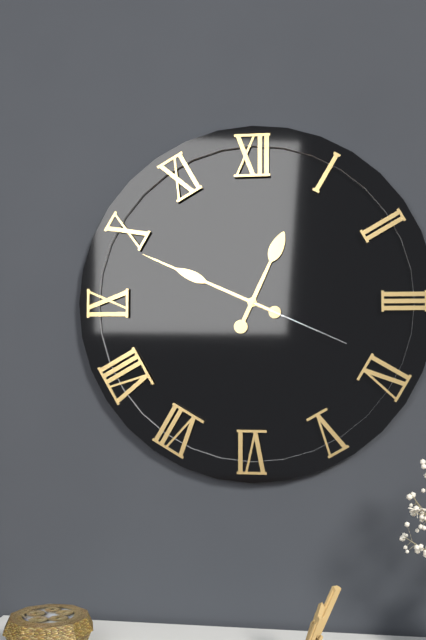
12:49:19
